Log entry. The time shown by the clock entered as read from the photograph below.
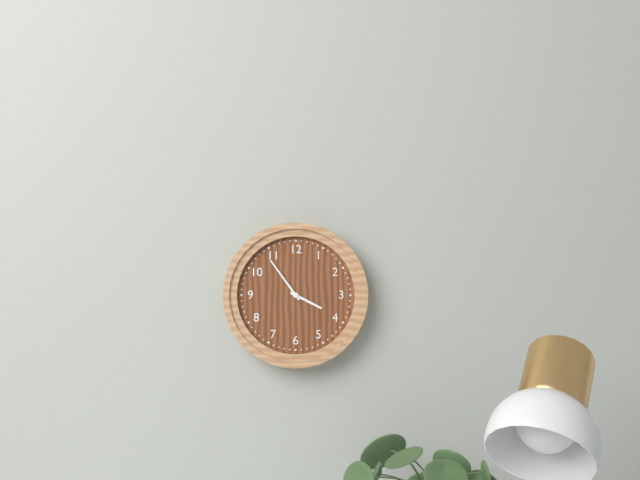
3:54
